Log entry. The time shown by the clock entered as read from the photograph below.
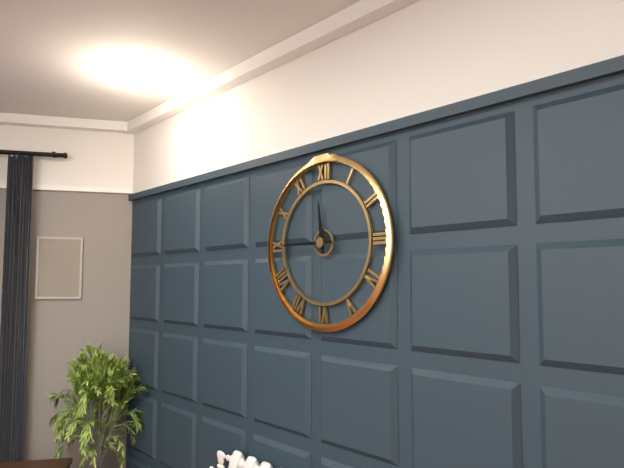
11:45
